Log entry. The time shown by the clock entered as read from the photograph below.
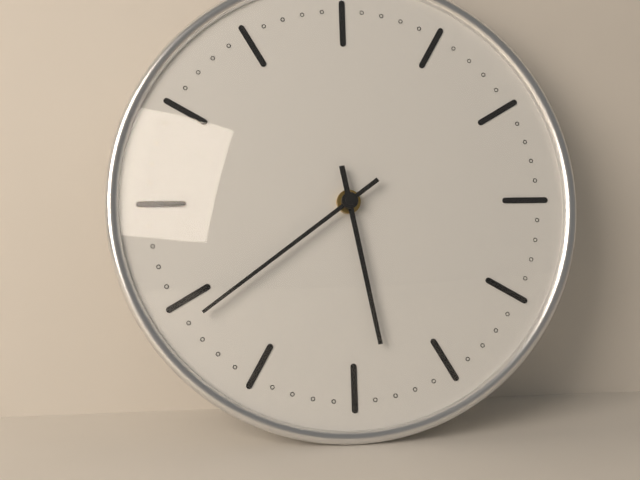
5:39
